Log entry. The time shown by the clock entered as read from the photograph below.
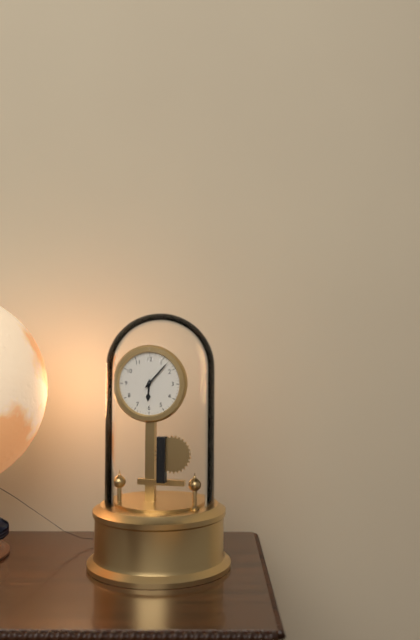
6:07
